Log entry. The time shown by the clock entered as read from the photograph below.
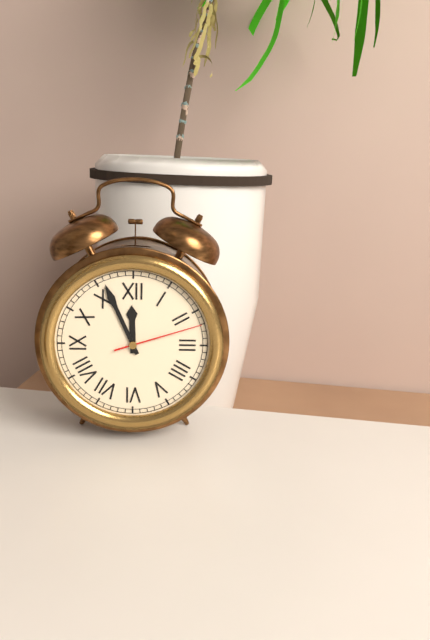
11:56:12
